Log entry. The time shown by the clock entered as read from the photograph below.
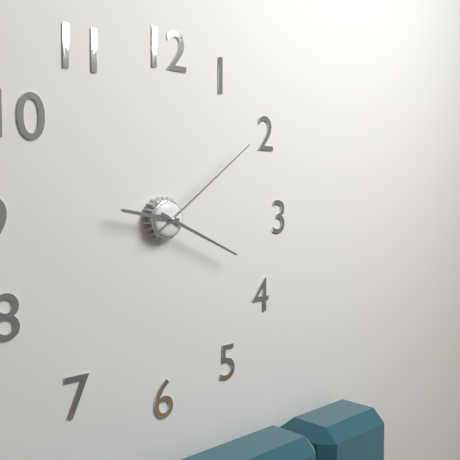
9:19:09
